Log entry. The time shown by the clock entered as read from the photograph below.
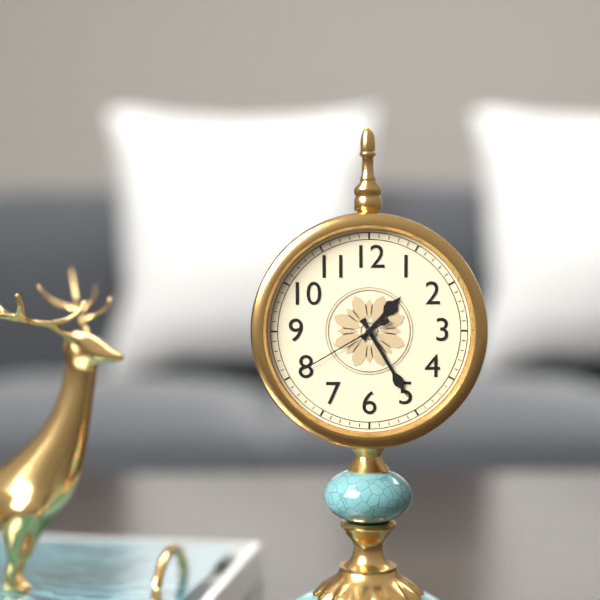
1:25:40
